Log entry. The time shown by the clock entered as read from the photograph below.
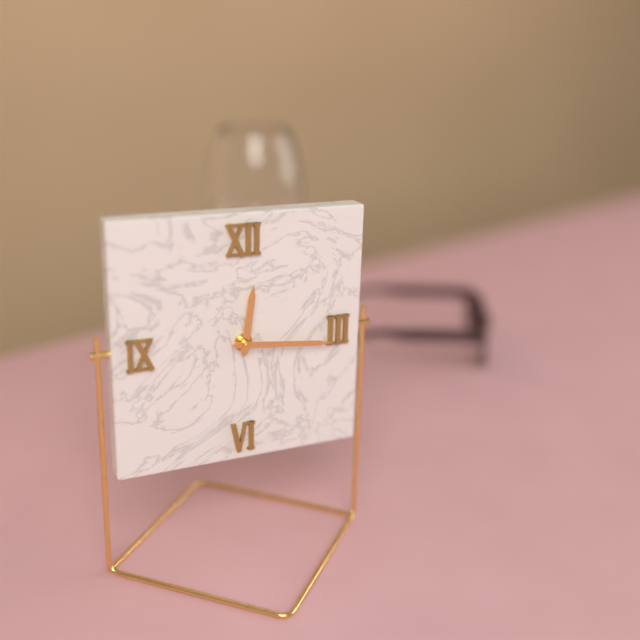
12:16
